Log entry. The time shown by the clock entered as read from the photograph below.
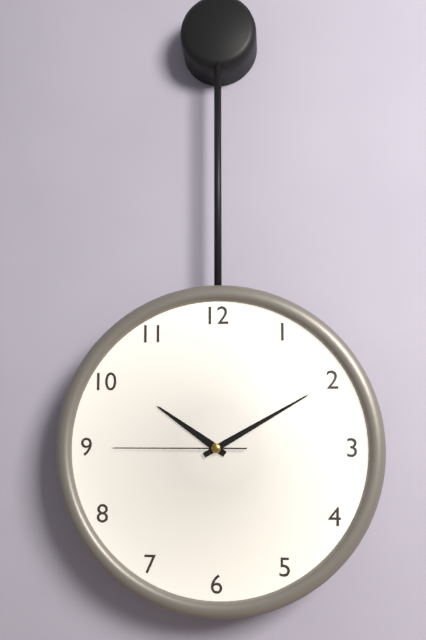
10:10:45
